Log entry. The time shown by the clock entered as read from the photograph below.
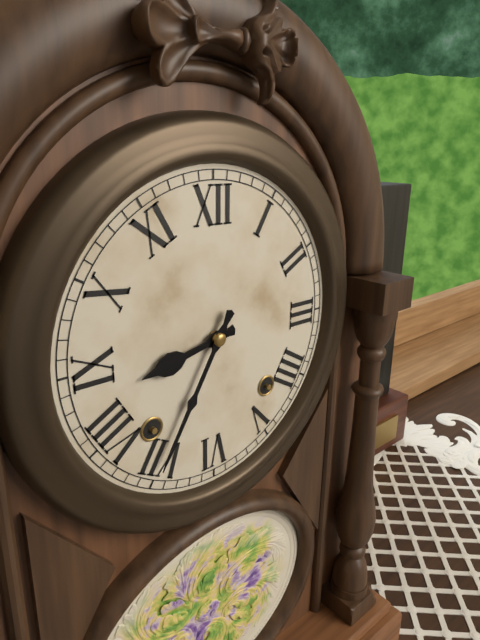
8:35
